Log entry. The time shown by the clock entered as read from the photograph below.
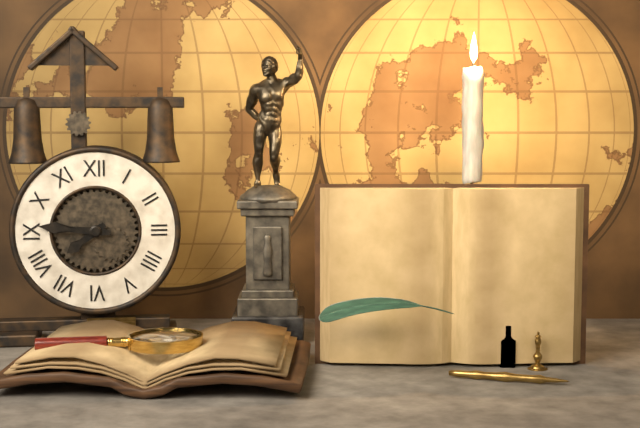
7:46
